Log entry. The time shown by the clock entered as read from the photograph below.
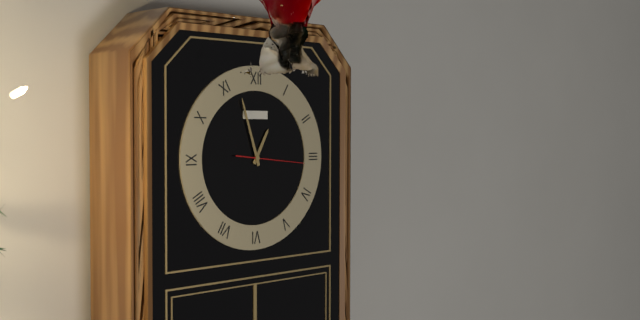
12:57:16
